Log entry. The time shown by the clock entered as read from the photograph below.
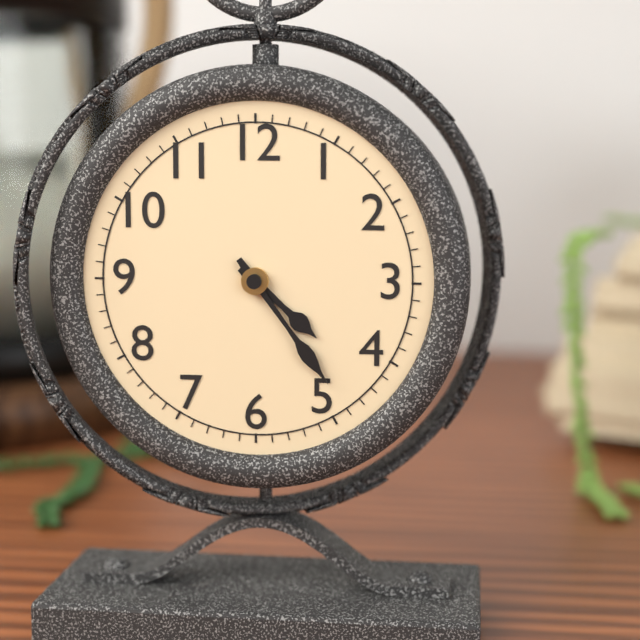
4:24
